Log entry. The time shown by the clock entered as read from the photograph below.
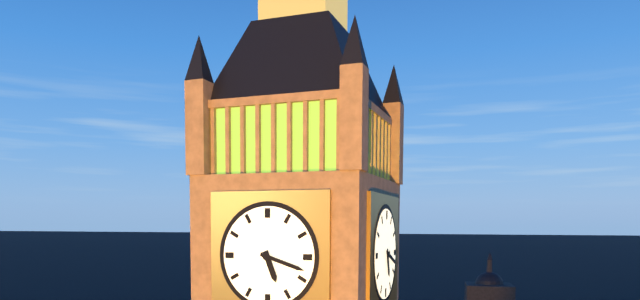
5:18
